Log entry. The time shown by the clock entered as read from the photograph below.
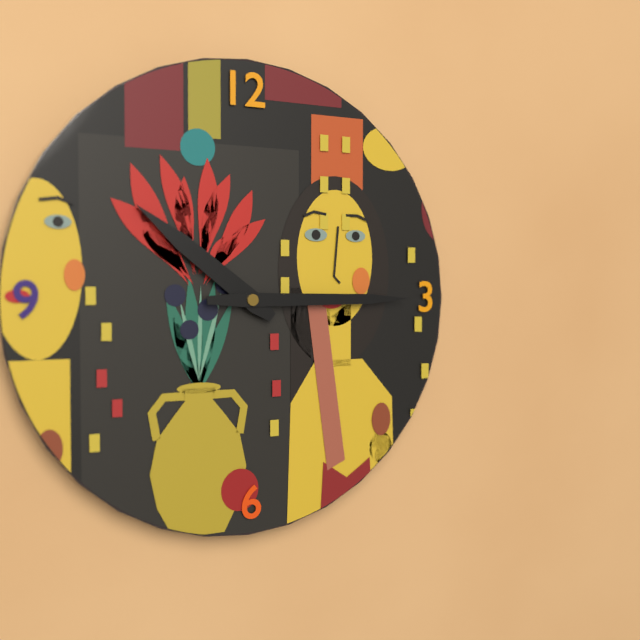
10:15
